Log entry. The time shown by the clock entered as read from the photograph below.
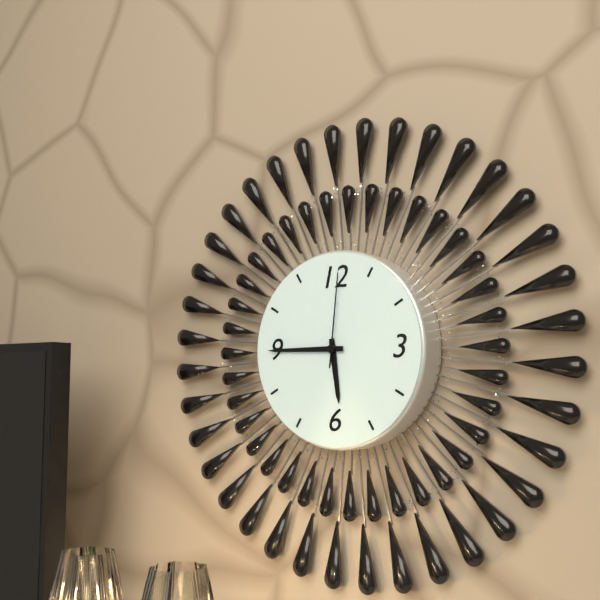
5:45:01
